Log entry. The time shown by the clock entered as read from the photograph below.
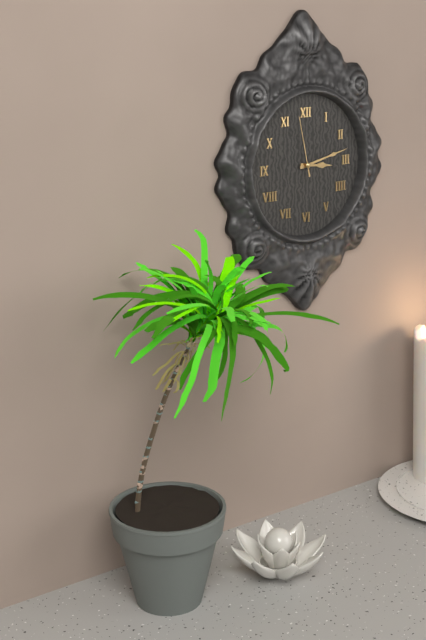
3:13:58
